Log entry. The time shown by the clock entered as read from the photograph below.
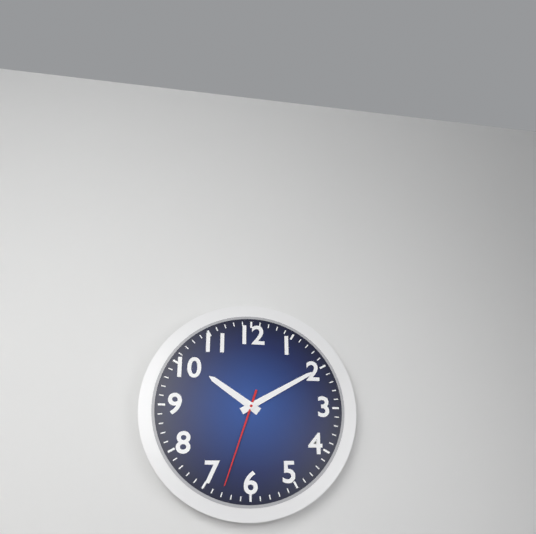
10:10:33
